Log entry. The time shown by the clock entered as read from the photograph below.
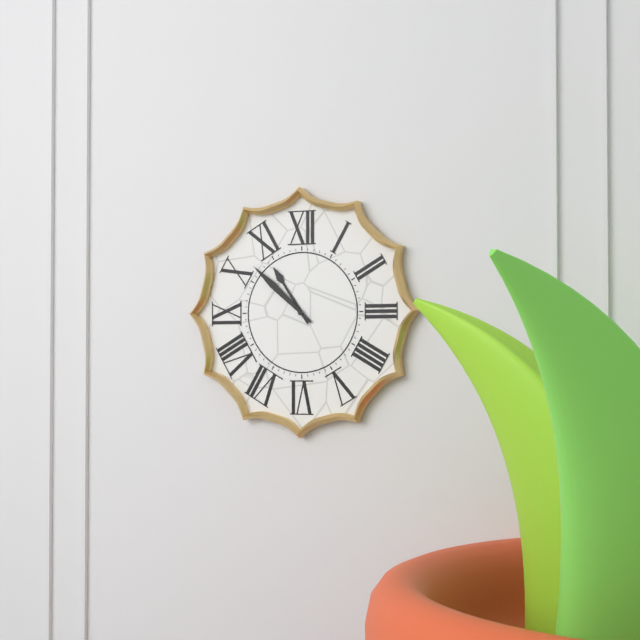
10:52
